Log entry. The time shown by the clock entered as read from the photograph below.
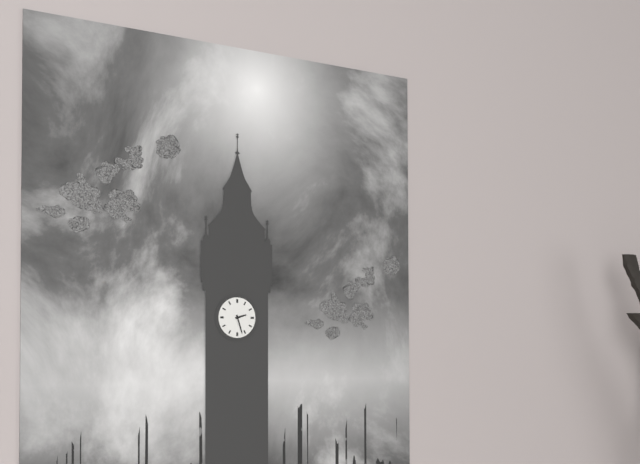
2:27
